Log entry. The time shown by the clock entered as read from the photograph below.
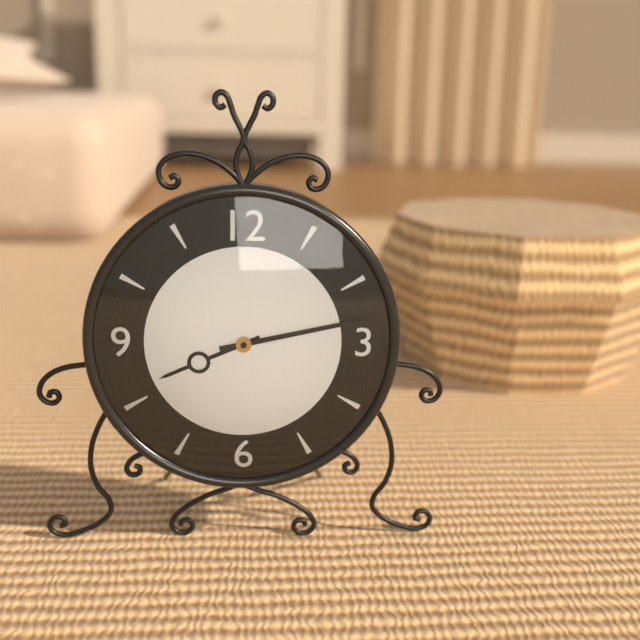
8:13
